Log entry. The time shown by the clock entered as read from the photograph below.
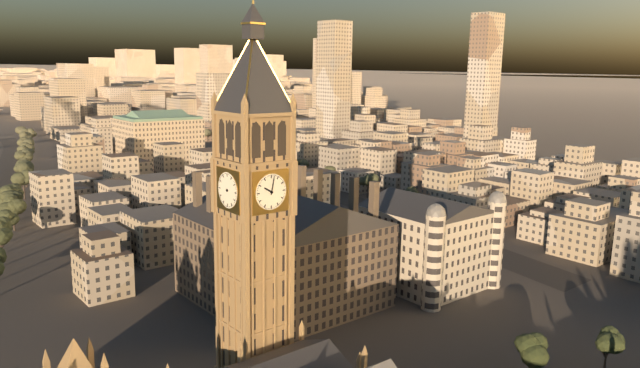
10:02
